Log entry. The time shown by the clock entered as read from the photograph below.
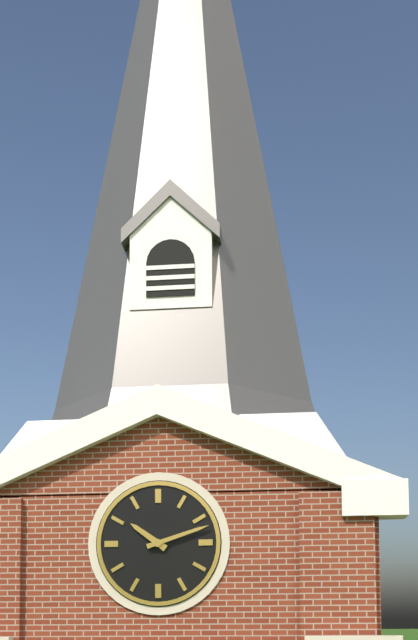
10:12
